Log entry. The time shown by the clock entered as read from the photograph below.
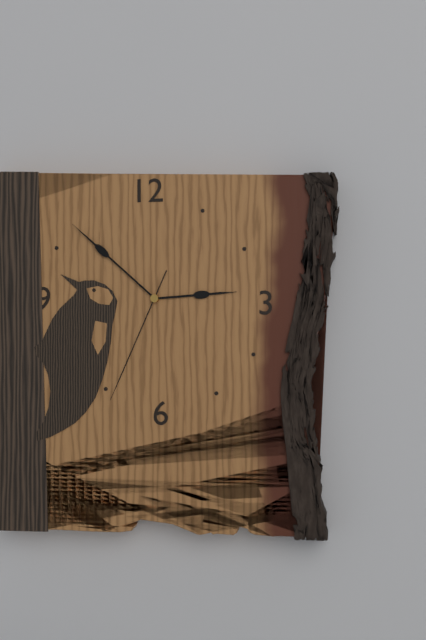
2:52:34
